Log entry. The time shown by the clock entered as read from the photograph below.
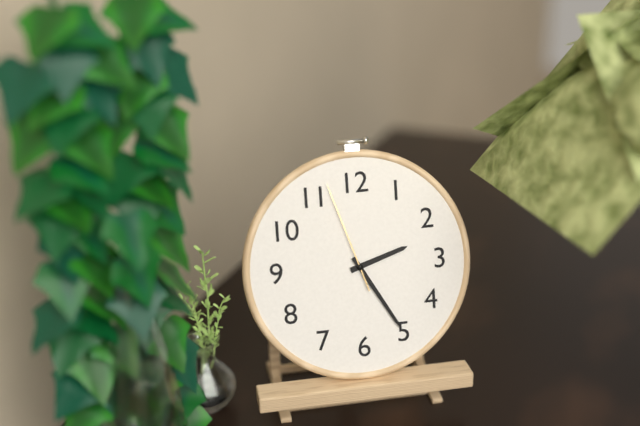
2:25:57
